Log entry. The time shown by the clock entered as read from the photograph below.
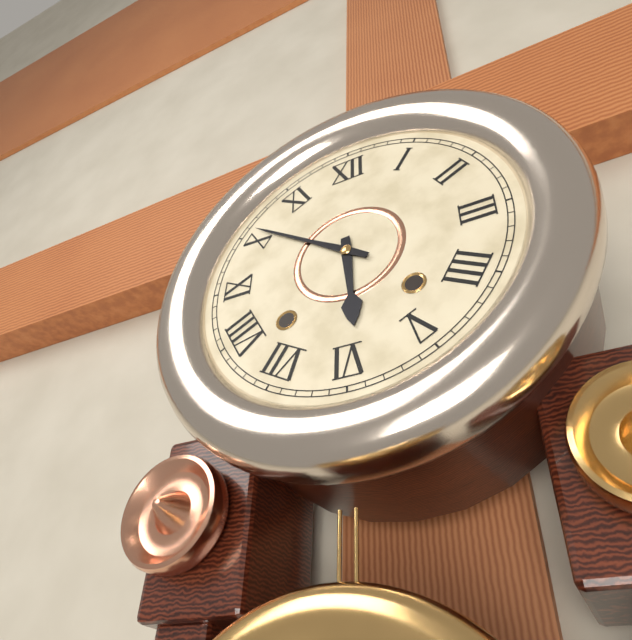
5:51
